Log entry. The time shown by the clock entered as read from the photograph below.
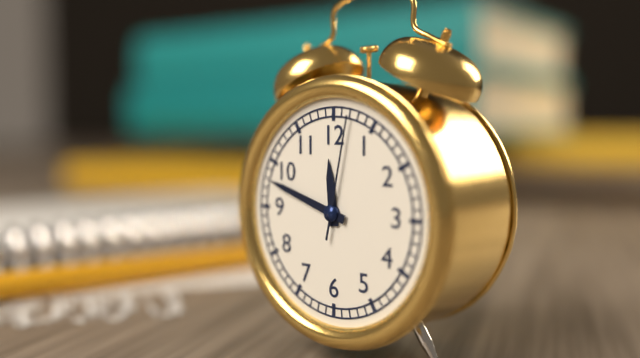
11:48:02
